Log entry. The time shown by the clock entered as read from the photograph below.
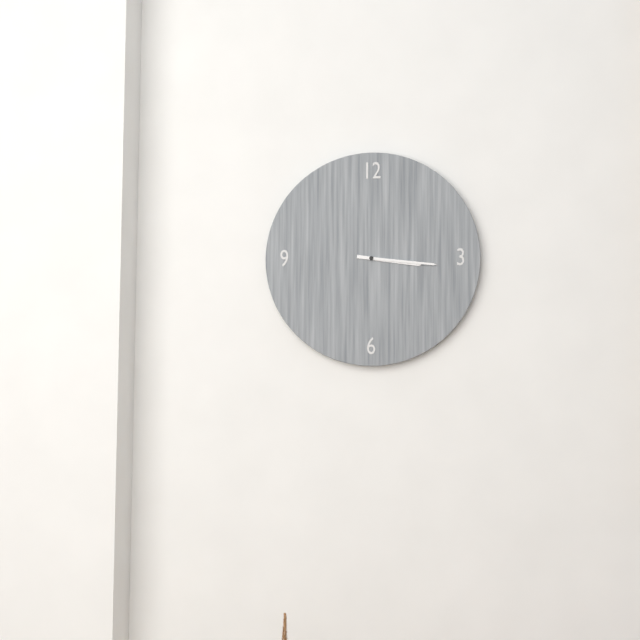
3:16
